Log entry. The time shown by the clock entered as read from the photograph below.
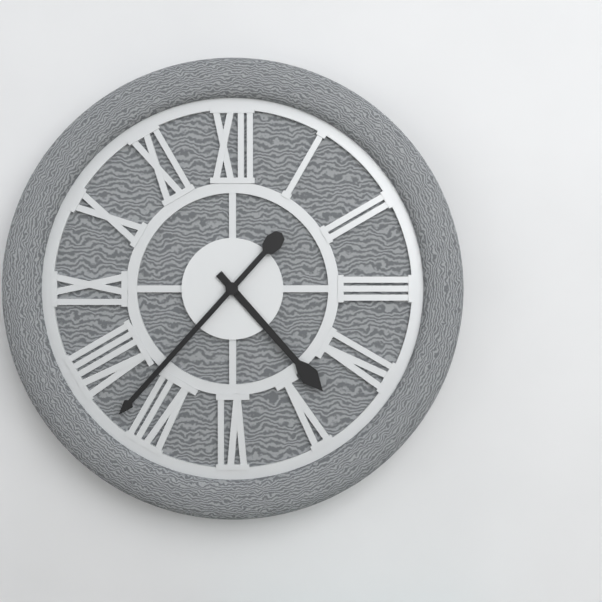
4:37
